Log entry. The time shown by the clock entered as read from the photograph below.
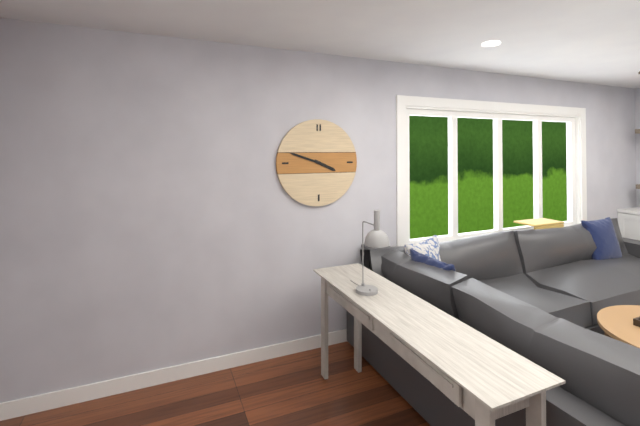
3:48
